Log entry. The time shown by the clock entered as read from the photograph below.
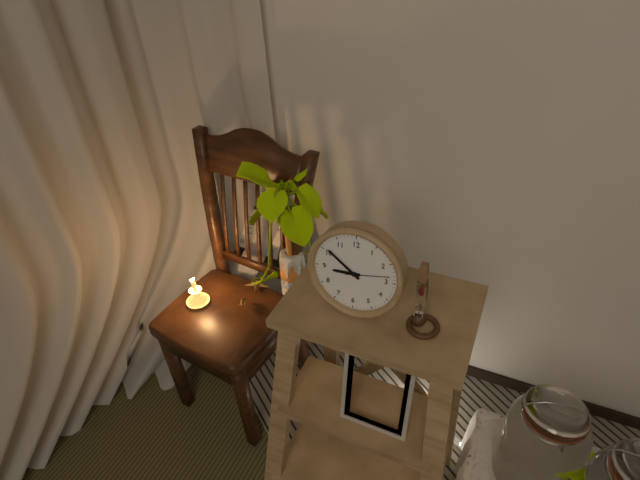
8:51
